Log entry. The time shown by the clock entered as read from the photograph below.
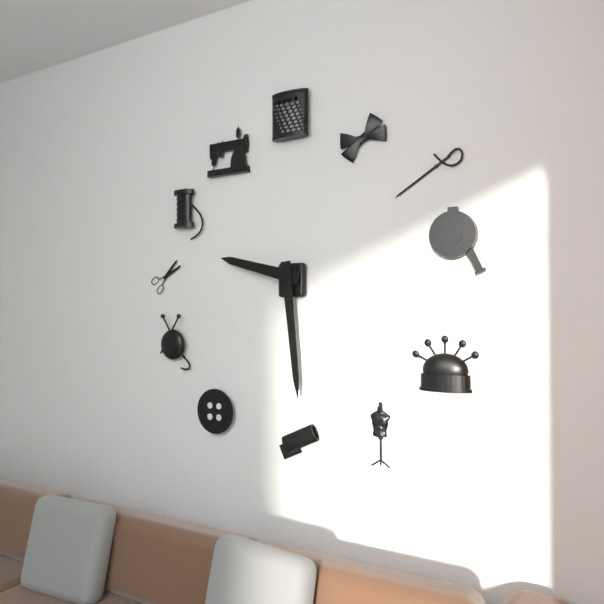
9:29
